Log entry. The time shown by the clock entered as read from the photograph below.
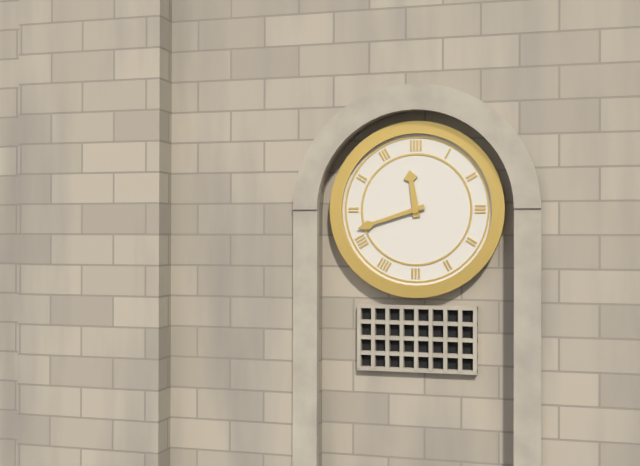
11:42
